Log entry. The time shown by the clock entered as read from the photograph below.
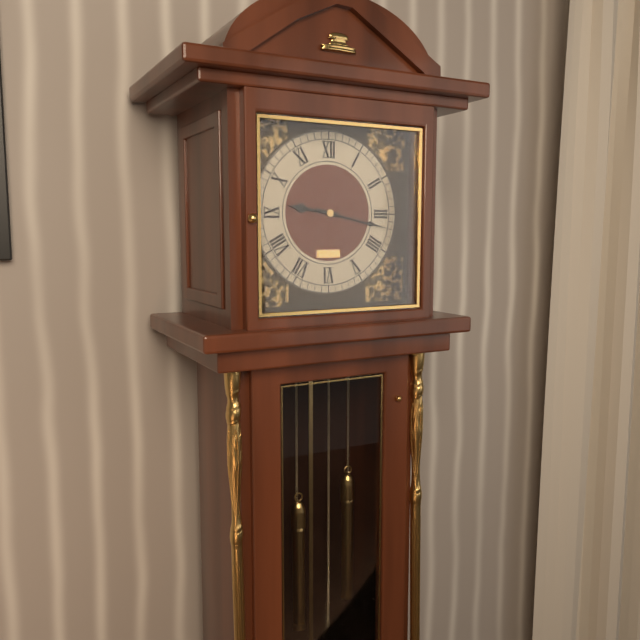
9:17
